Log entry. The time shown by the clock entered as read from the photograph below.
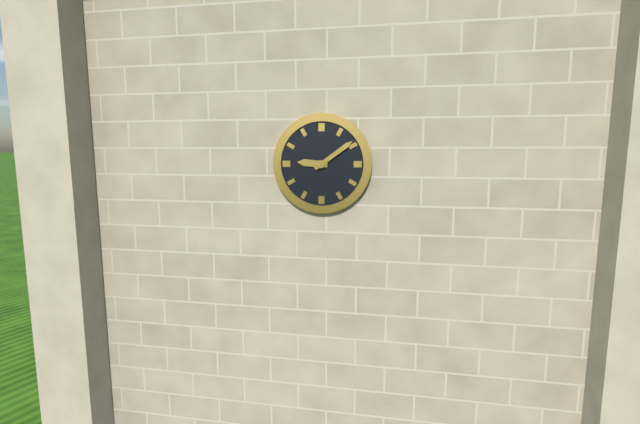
9:09
